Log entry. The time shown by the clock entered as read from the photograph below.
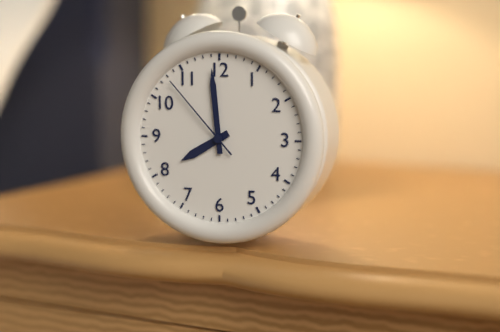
7:59:53
